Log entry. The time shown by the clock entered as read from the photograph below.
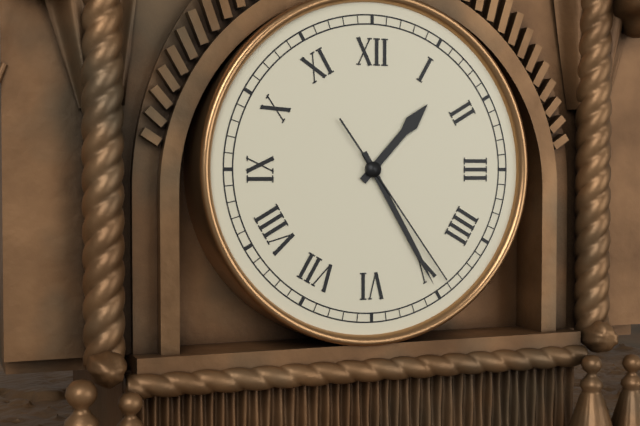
1:25:24
